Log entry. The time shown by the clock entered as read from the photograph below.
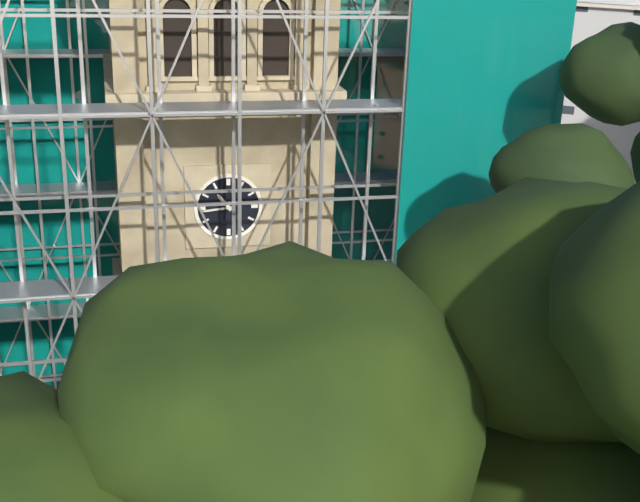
10:44
